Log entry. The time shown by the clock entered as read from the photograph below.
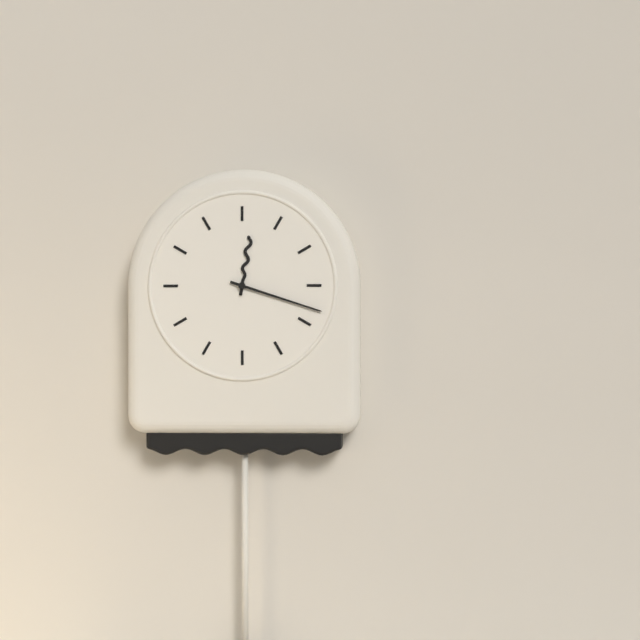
12:18
